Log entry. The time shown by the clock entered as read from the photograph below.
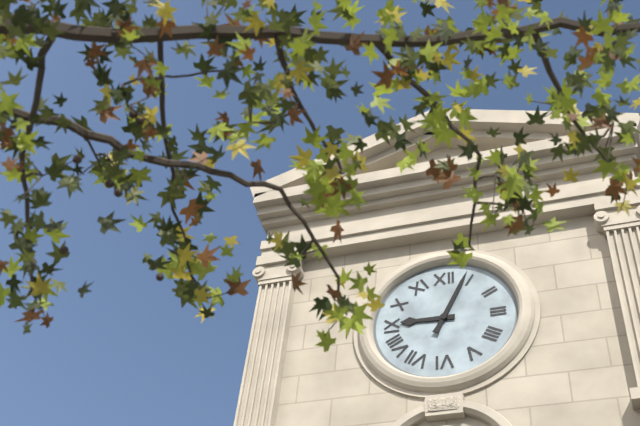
9:04
